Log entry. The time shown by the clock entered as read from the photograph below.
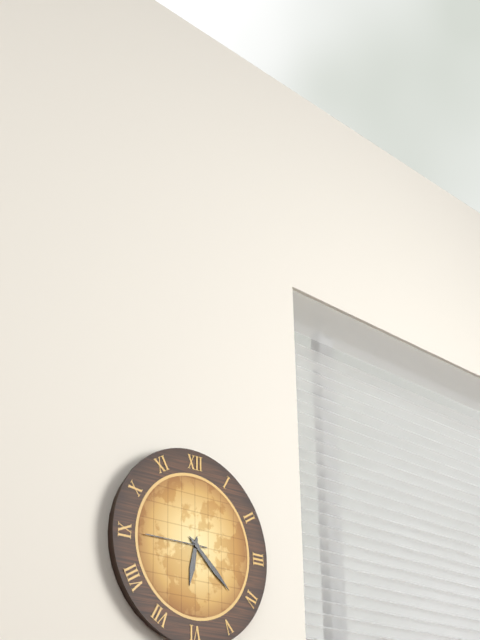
6:22:45
